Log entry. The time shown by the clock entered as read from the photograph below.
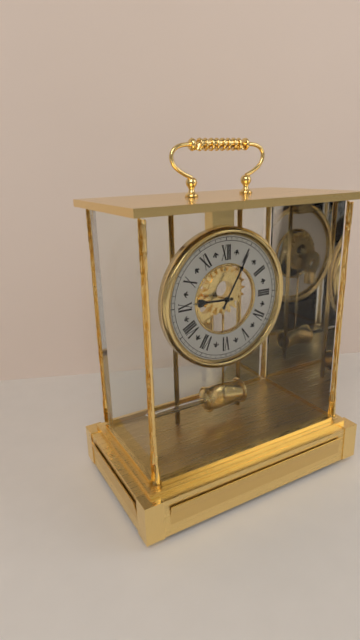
9:05
